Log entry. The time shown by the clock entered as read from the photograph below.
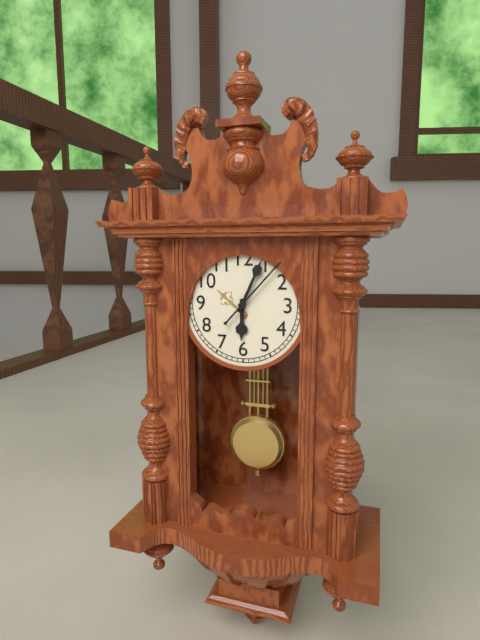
6:04:07
